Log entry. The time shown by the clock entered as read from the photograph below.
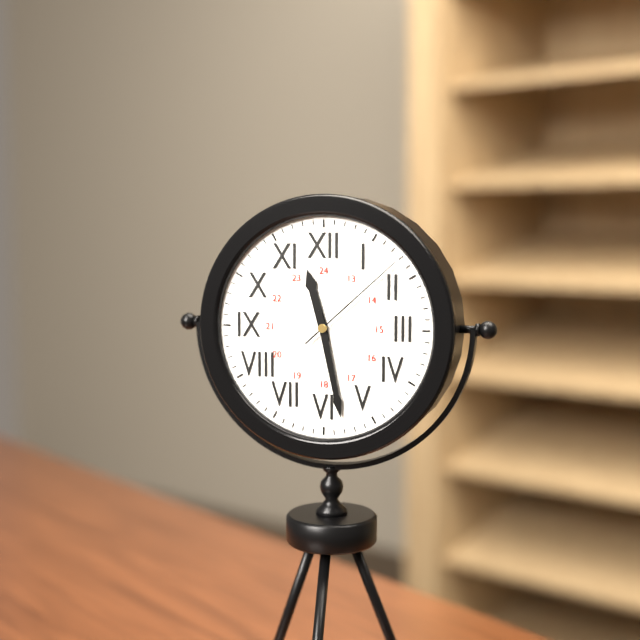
11:28:08
